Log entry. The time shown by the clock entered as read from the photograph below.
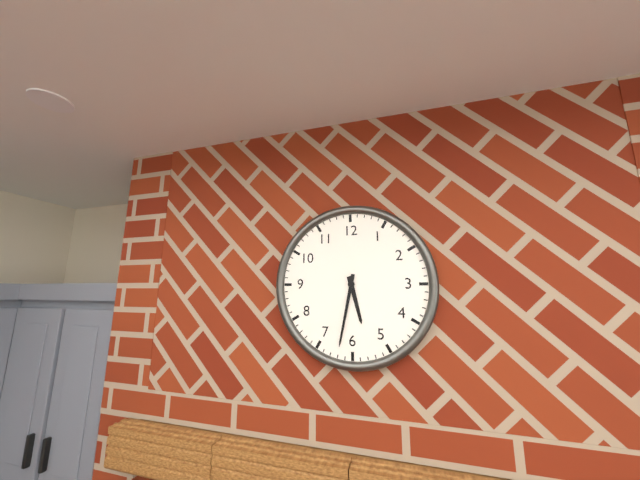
5:32
